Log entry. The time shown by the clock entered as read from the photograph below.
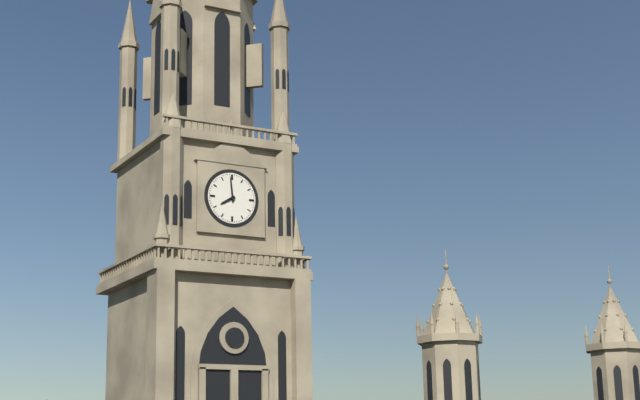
7:59
